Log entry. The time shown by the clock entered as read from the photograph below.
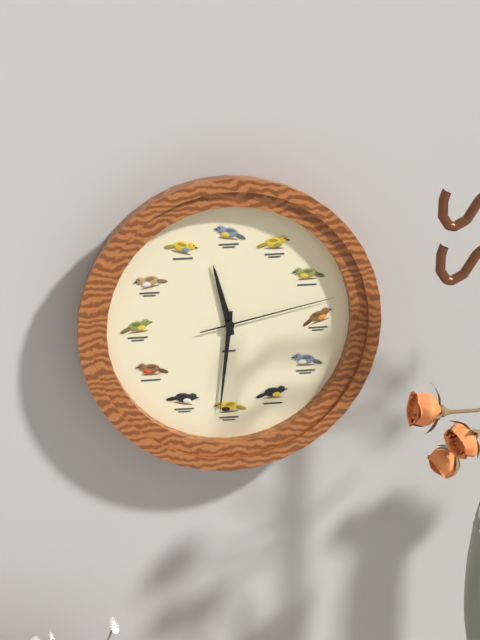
11:31:13
